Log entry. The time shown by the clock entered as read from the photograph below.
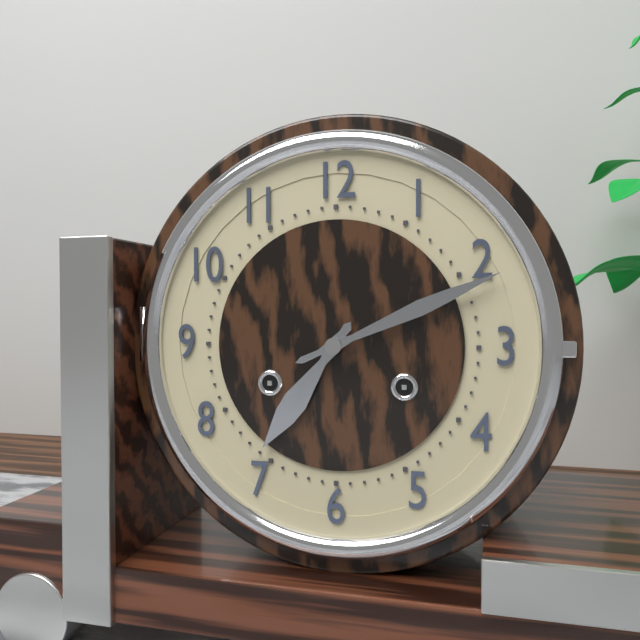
7:11
